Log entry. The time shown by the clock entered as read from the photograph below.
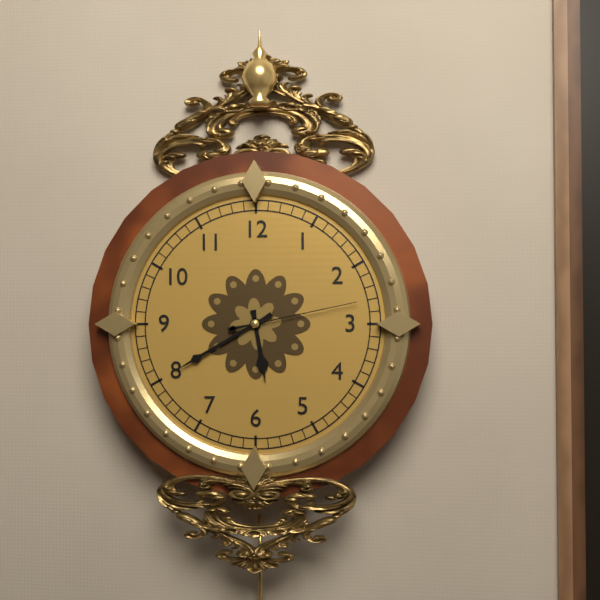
5:40:13
